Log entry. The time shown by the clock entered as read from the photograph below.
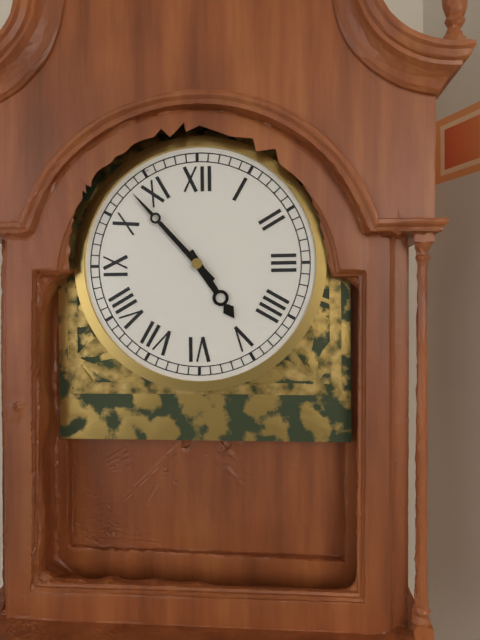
4:53
